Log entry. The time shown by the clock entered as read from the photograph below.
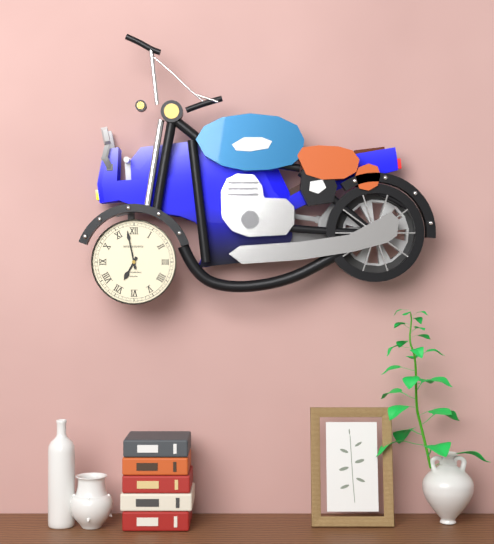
6:58
